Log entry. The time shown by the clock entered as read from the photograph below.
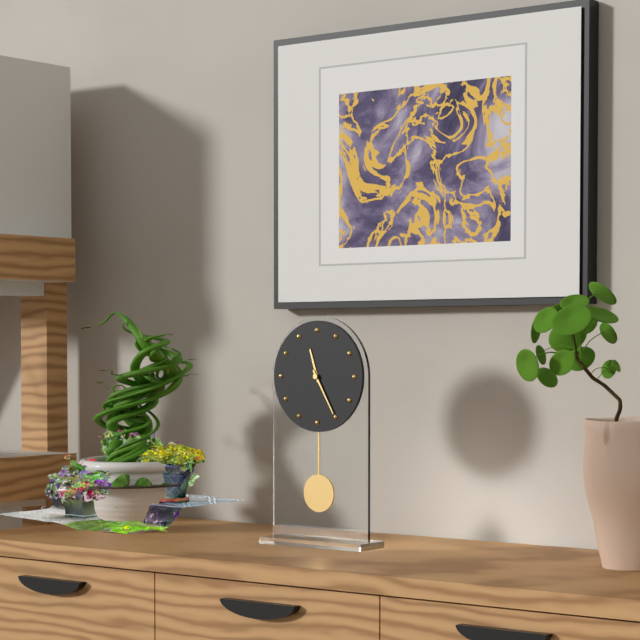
11:25
